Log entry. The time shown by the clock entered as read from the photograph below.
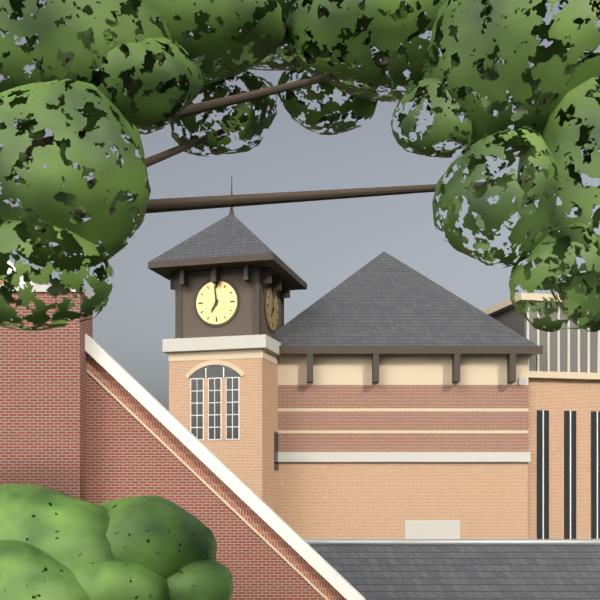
6:59
